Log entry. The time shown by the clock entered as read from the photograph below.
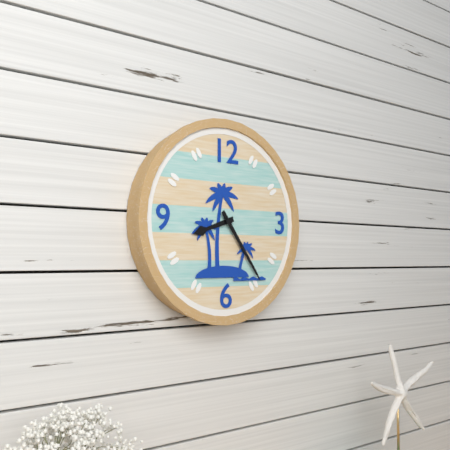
8:24
